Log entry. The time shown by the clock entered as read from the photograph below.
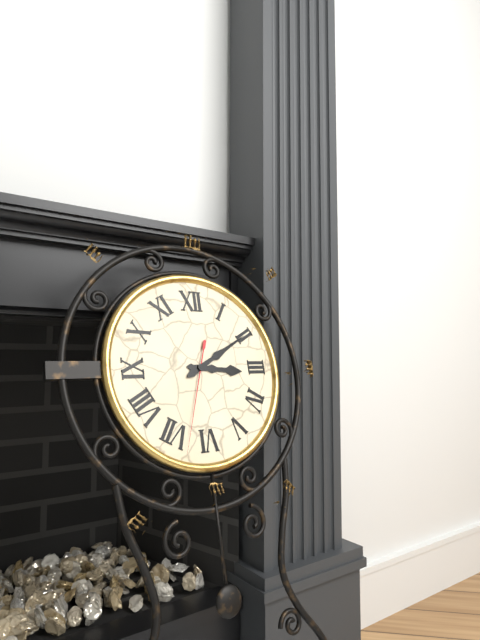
3:10:33
